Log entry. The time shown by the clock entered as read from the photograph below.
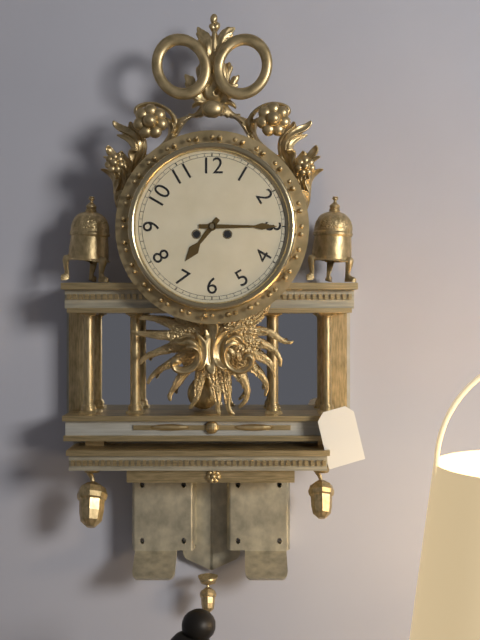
7:15
